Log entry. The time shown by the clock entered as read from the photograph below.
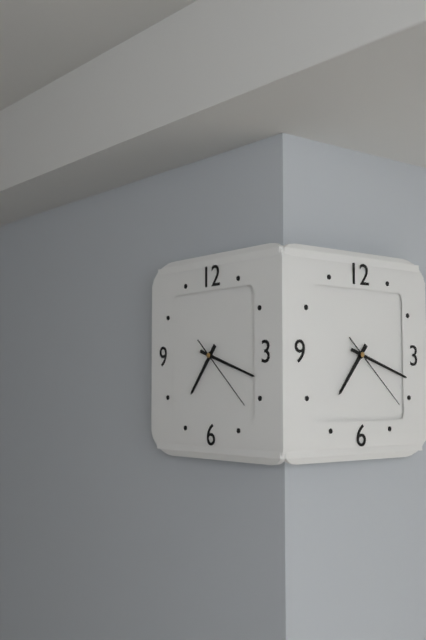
7:18:22
